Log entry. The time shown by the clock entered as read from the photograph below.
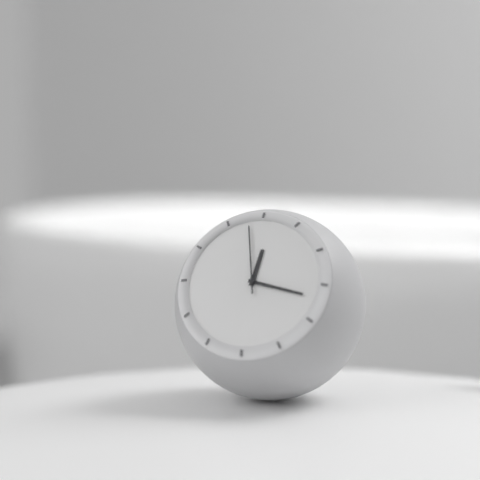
12:17:58
